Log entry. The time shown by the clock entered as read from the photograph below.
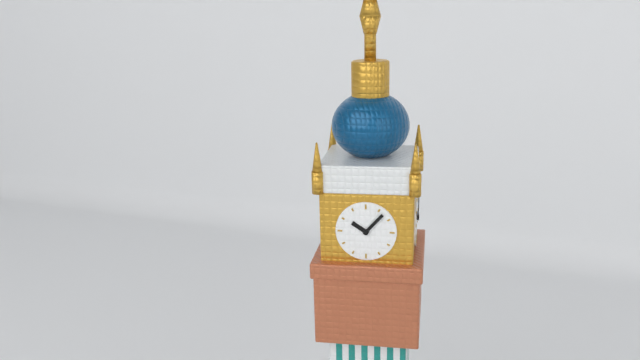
10:07
